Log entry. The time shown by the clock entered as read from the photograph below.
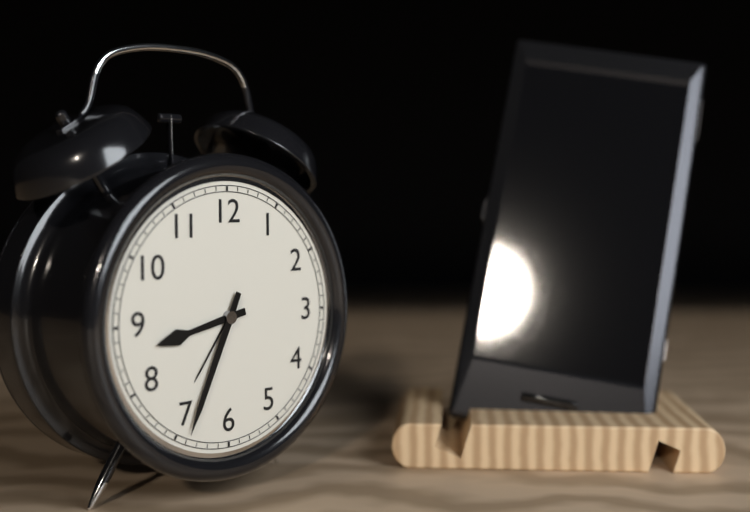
8:34
